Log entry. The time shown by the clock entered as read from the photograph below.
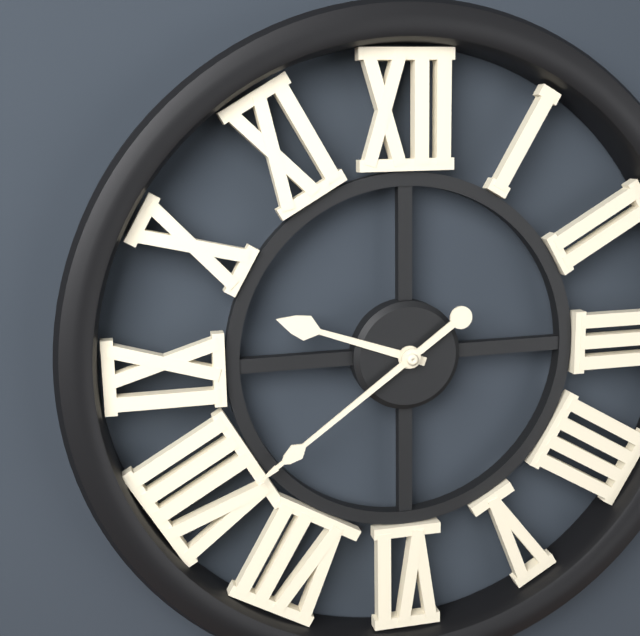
9:39
